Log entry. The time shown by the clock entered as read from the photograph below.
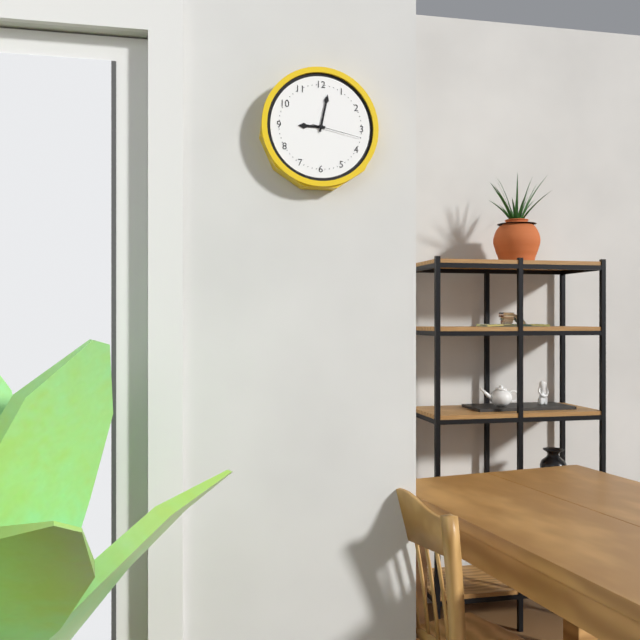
9:02:17
